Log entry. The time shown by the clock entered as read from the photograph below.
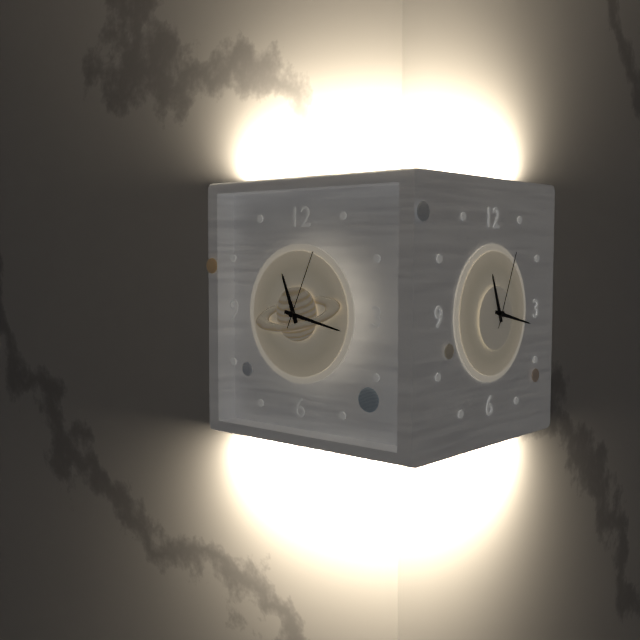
11:17:04
